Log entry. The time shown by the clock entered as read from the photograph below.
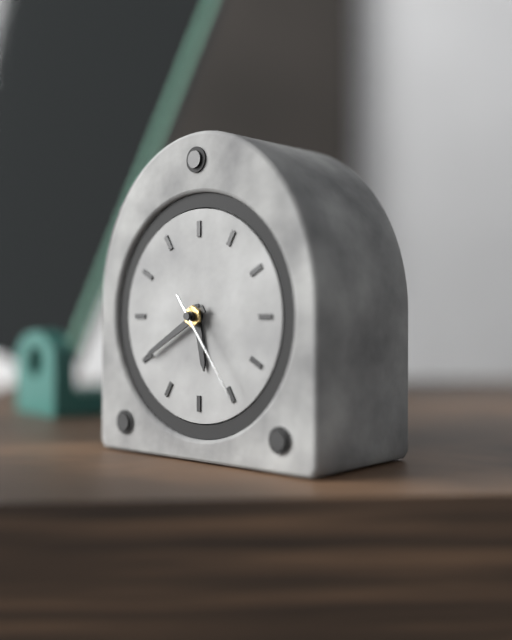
5:40:24
